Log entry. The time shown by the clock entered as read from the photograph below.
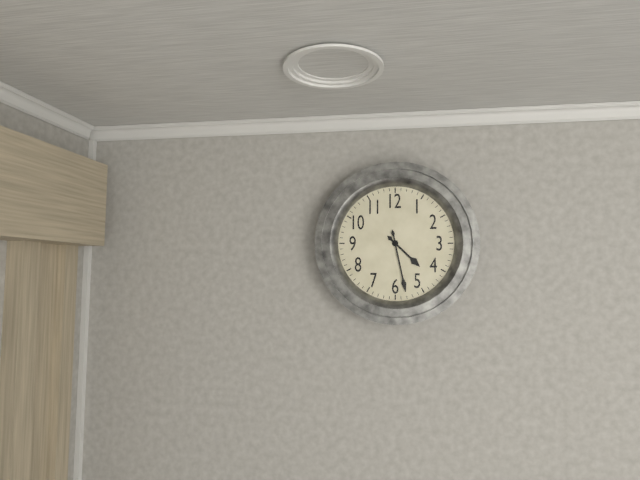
4:28
